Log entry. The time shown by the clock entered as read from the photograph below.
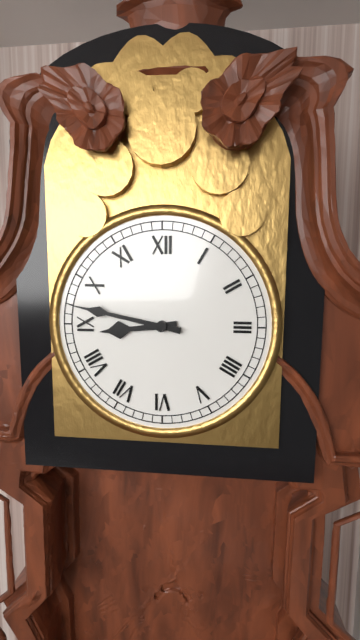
8:47
